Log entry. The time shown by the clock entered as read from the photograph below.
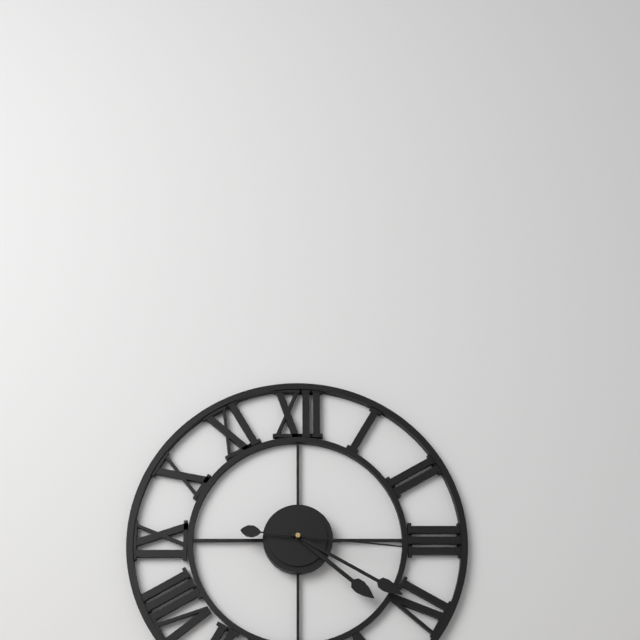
4:20:16
